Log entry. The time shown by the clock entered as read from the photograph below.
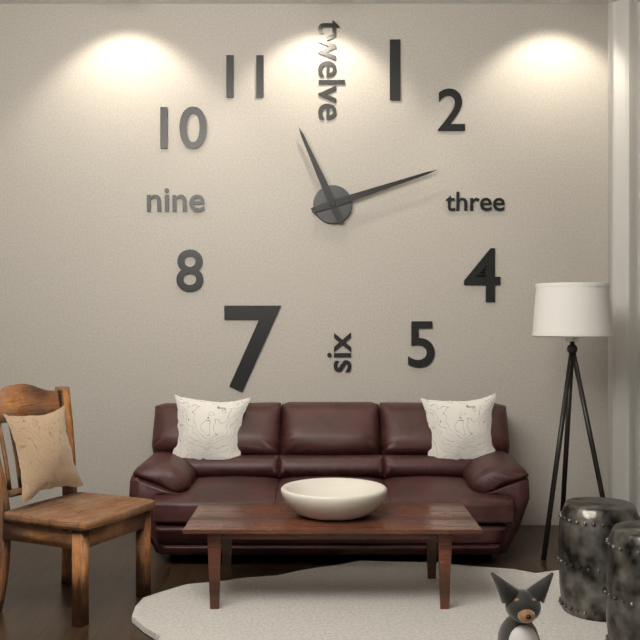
11:12
